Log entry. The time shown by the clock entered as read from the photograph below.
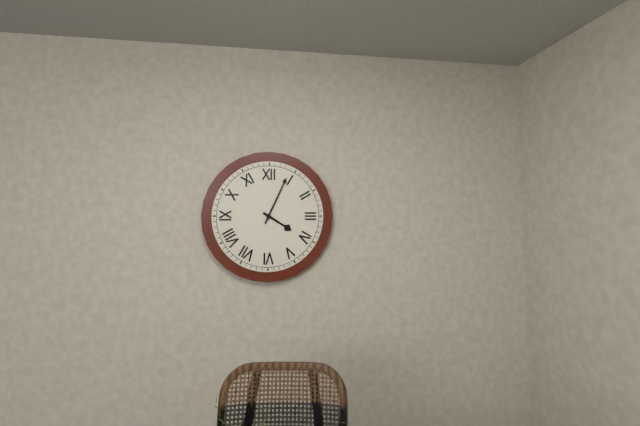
4:04
